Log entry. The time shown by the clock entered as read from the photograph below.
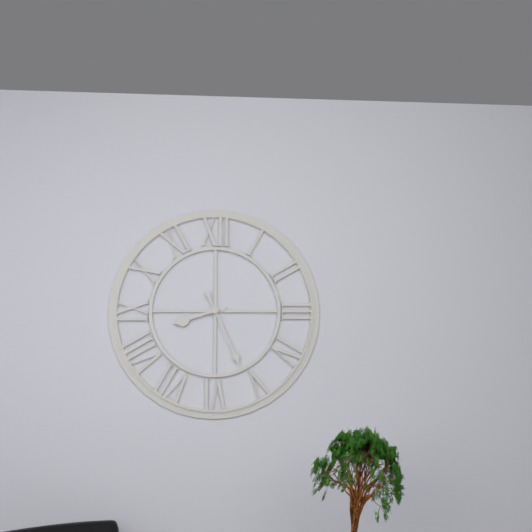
8:26
